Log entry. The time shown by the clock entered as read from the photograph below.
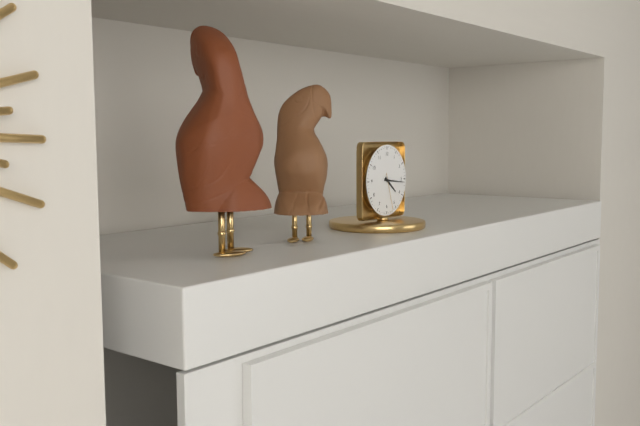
4:16
